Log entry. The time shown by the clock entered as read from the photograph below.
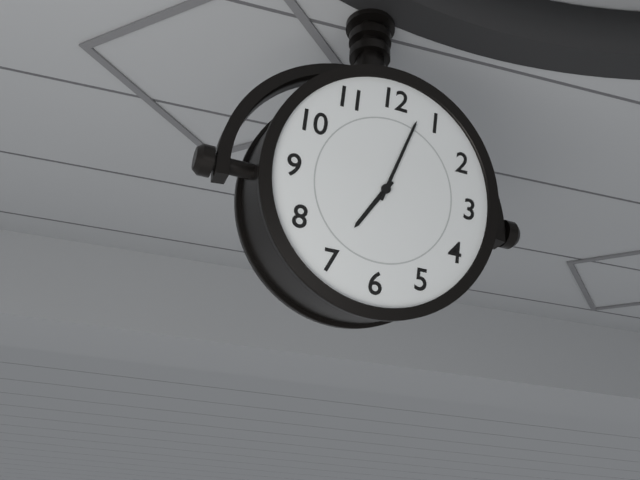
7:03
